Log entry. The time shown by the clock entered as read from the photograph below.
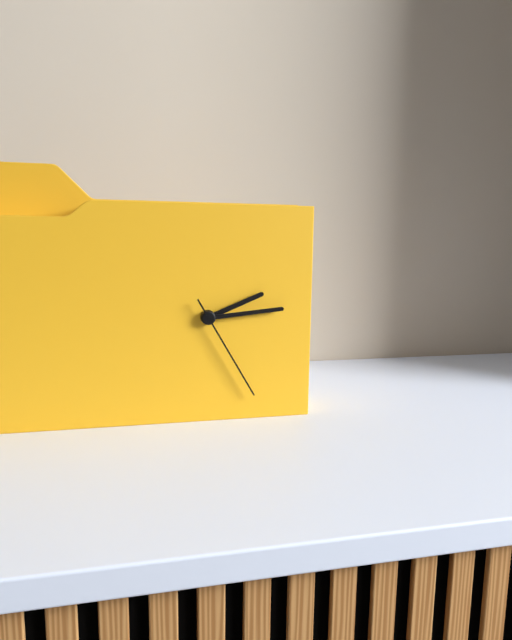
2:14:25
